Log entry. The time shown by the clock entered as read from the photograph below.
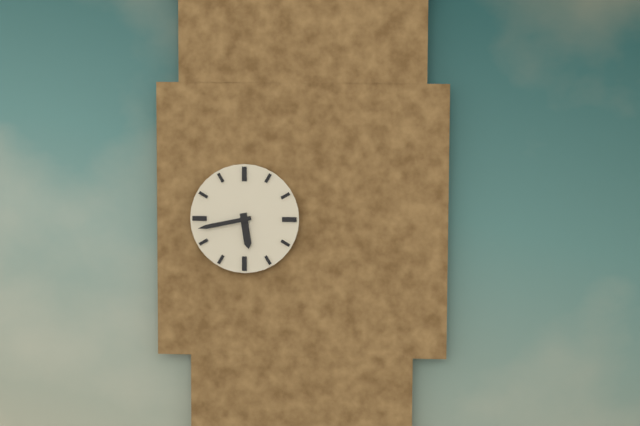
5:43
